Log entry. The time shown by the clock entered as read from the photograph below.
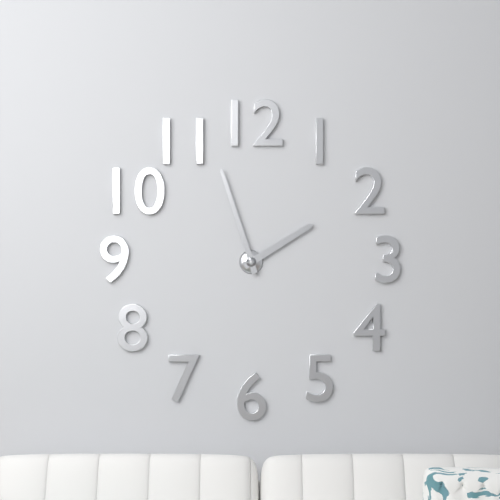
1:57
